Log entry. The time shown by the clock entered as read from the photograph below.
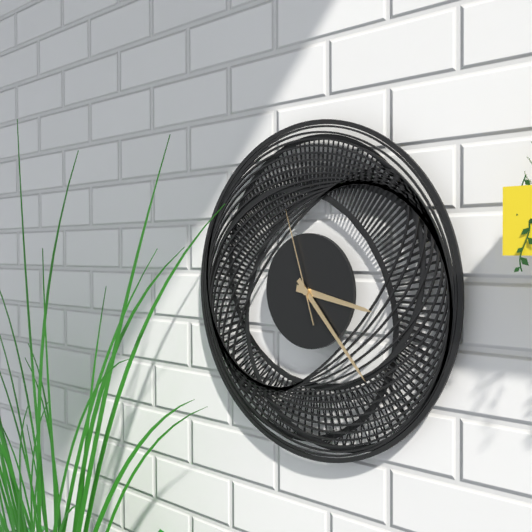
3:23:57
